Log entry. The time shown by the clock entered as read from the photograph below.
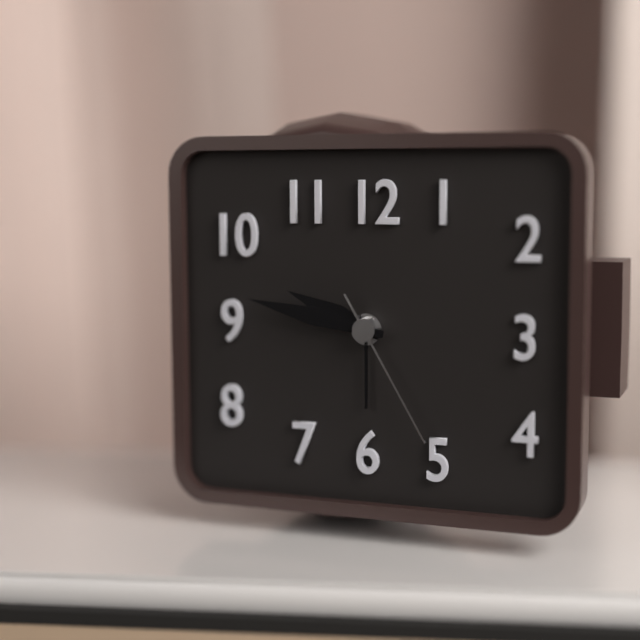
9:47:25
